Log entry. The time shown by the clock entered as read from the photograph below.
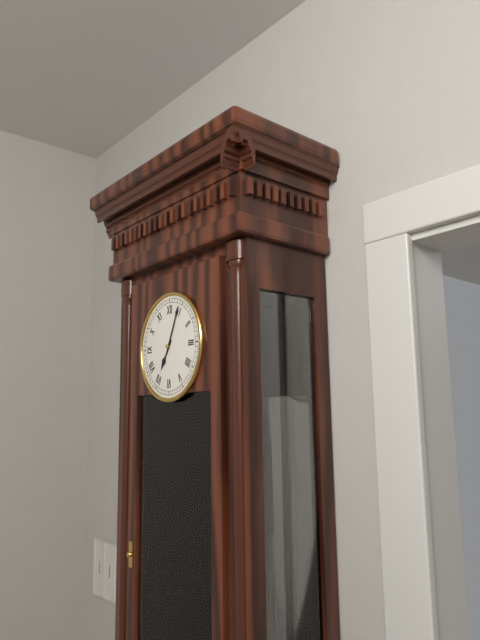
7:04
